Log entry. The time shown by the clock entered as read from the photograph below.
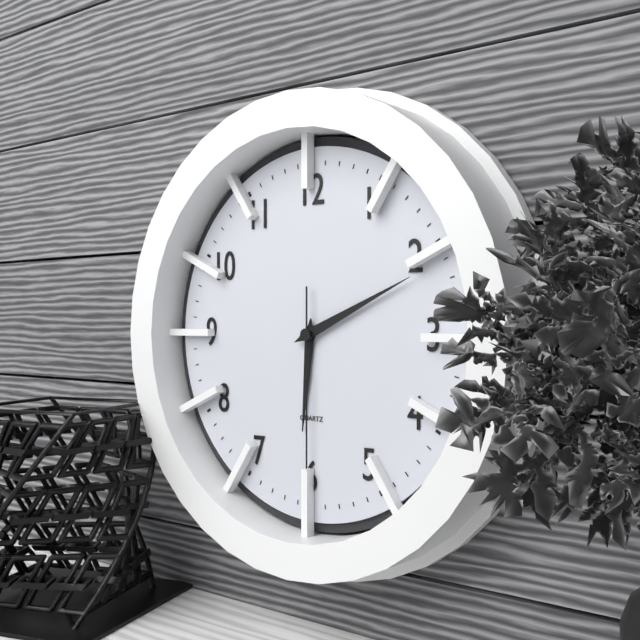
6:11:30
